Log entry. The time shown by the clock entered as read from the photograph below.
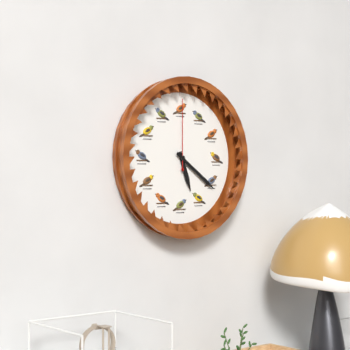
5:21:00
